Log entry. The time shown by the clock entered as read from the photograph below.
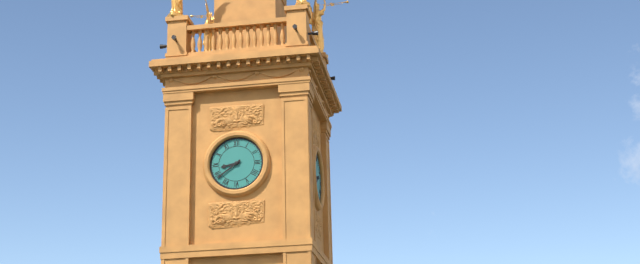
8:39
